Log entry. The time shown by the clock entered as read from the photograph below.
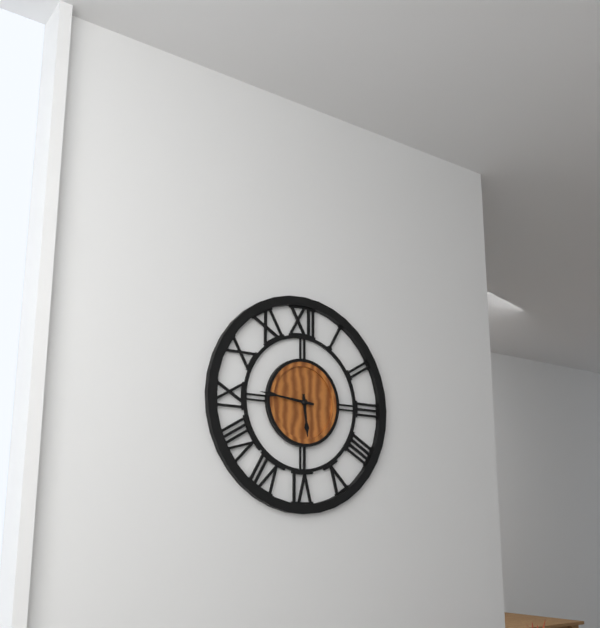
5:46
